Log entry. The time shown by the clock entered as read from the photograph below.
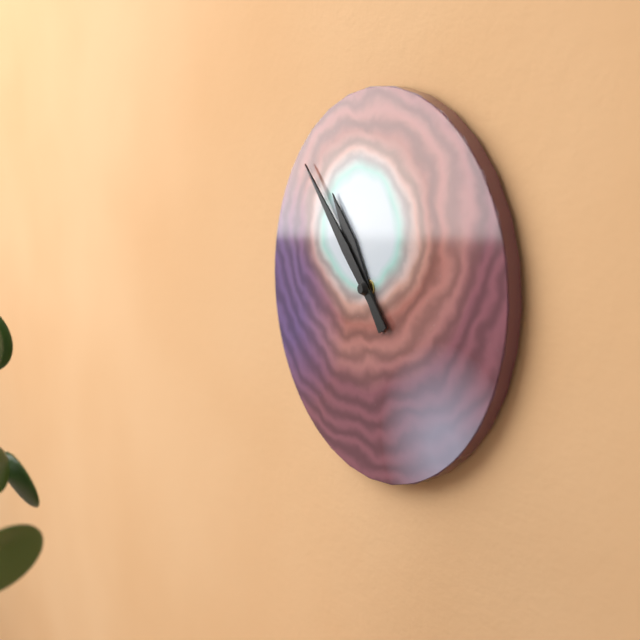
10:53
